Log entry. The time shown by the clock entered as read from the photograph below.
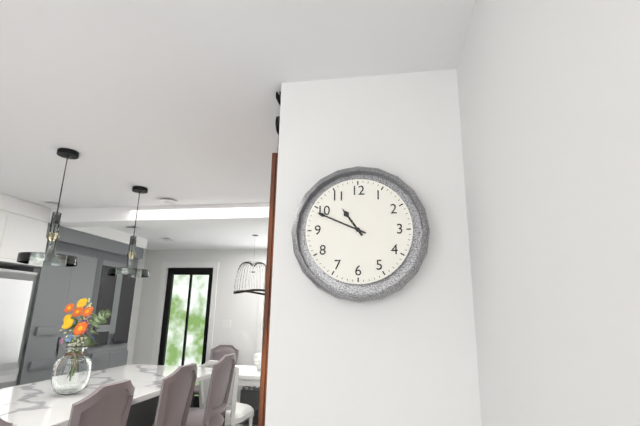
10:49
